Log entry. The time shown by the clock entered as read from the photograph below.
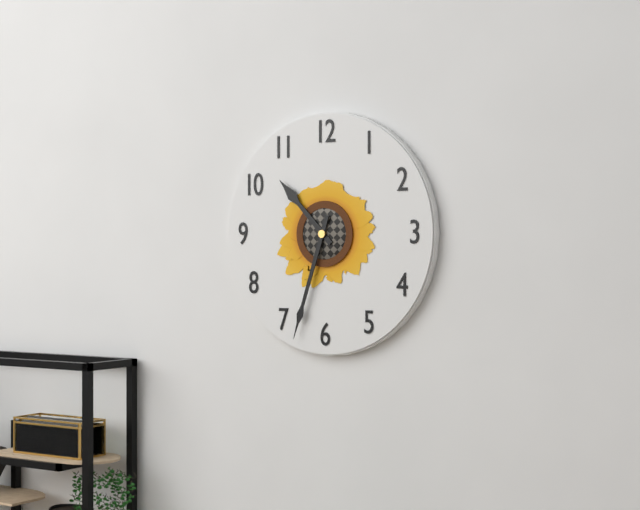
10:33
